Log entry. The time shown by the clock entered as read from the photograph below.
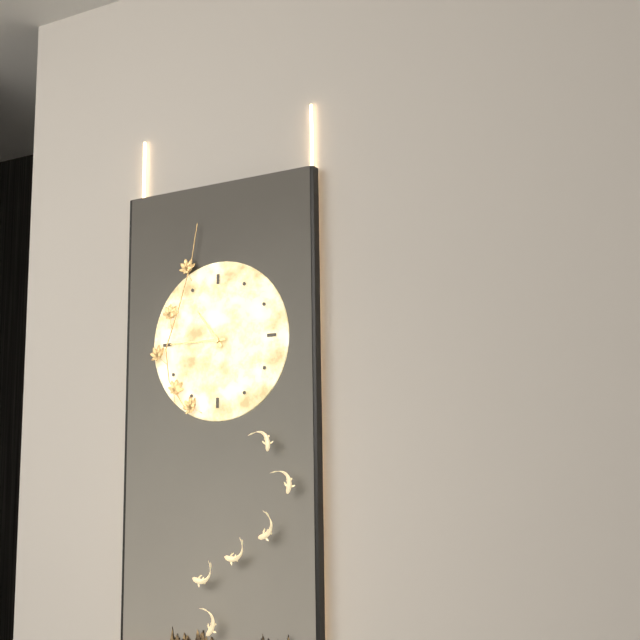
10:45
